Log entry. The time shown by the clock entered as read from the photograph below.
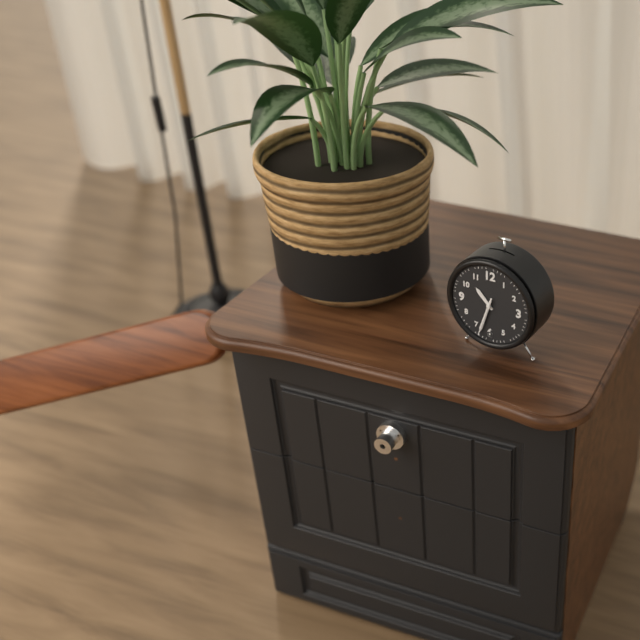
10:33
